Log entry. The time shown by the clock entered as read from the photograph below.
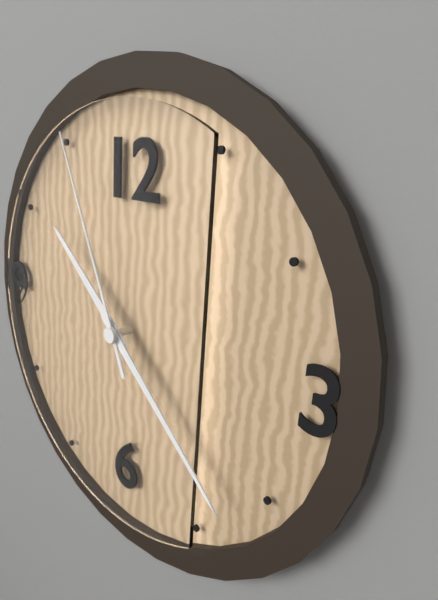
10:22:56
